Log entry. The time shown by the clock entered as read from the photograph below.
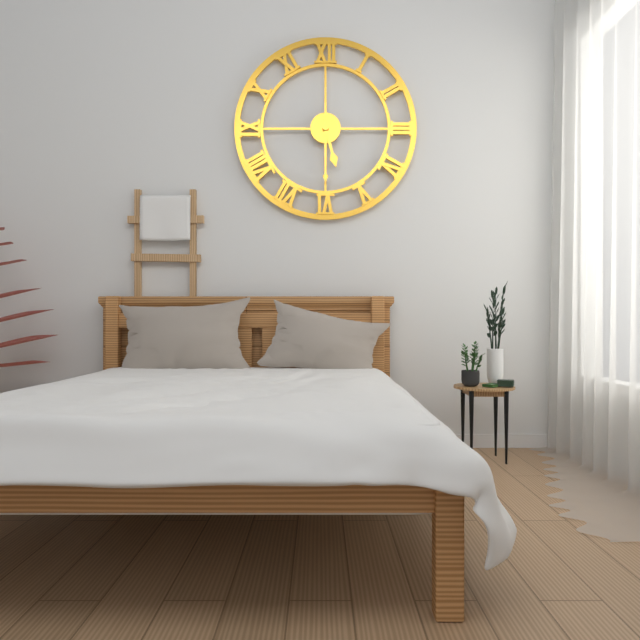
5:30
